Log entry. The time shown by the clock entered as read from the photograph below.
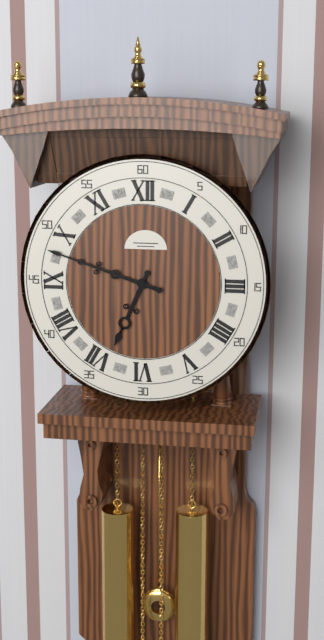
6:48
